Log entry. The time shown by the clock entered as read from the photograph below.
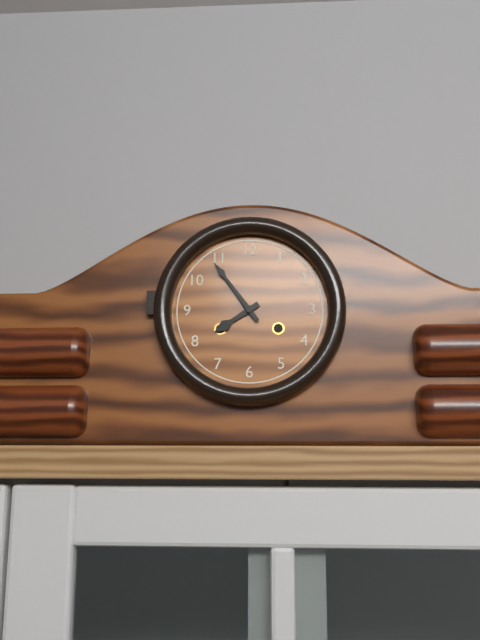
7:54
